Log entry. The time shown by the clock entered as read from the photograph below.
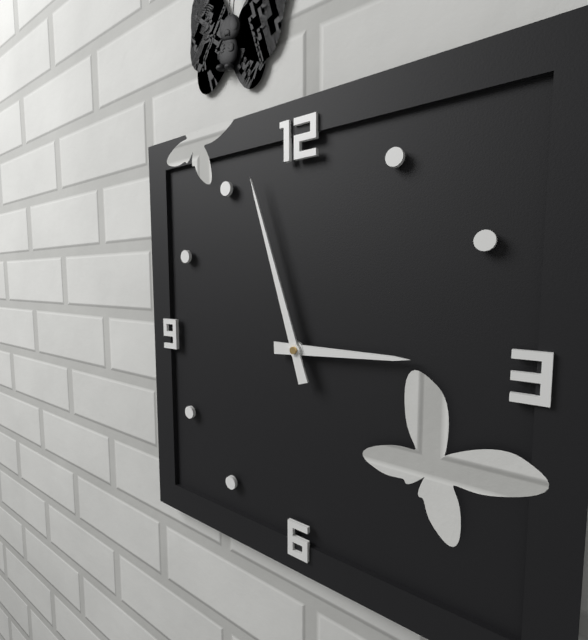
2:57
